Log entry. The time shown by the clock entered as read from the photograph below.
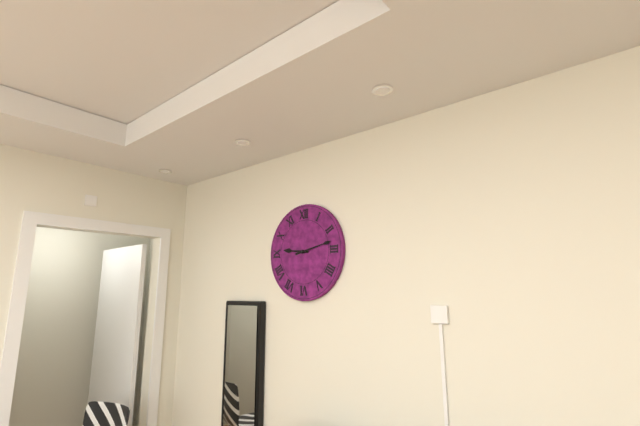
9:13
